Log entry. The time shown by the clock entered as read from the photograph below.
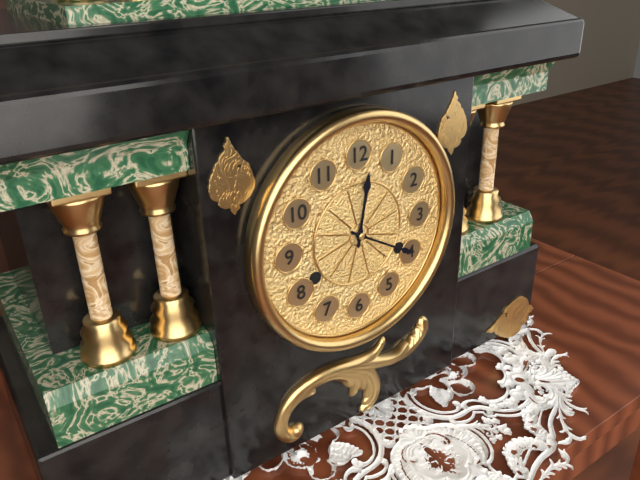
12:20
